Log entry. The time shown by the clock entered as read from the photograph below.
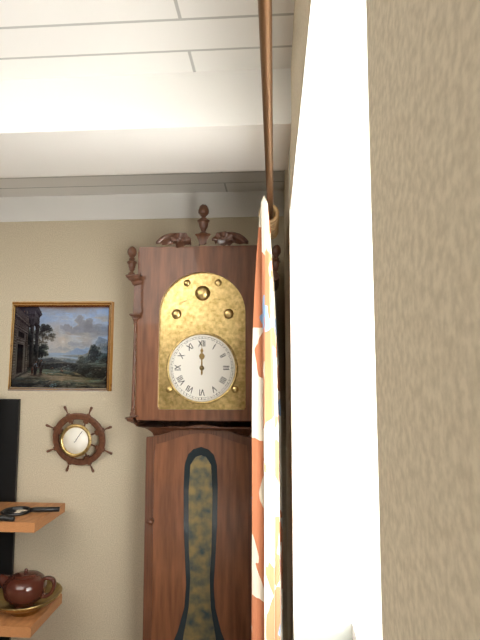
12:00
